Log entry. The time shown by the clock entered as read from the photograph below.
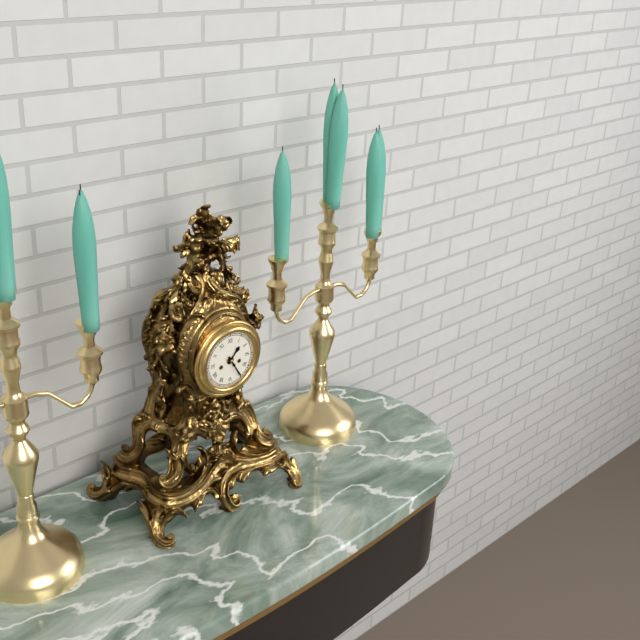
1:25
